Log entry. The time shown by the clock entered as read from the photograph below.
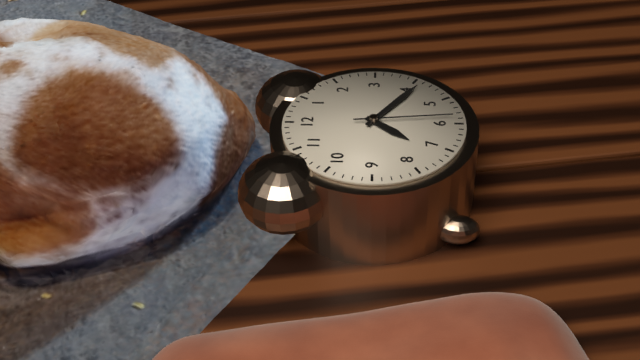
7:21:29
